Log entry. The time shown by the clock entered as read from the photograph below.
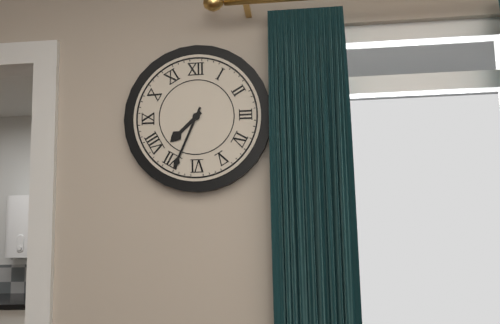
7:34
